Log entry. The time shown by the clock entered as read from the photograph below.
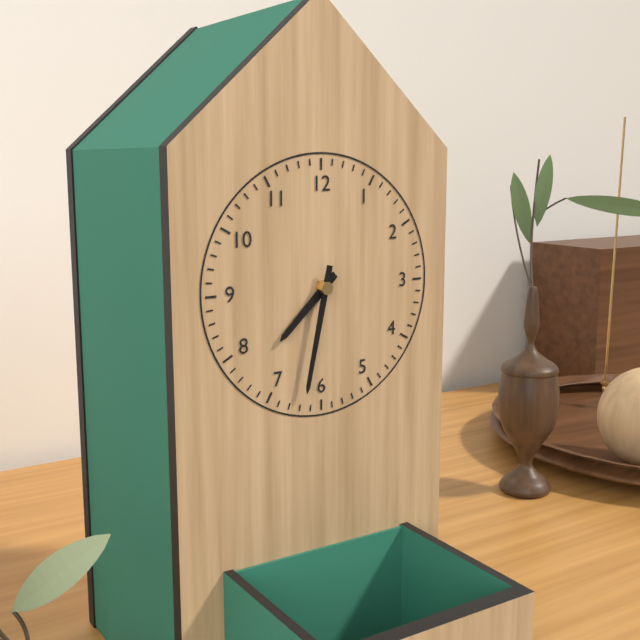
7:32
